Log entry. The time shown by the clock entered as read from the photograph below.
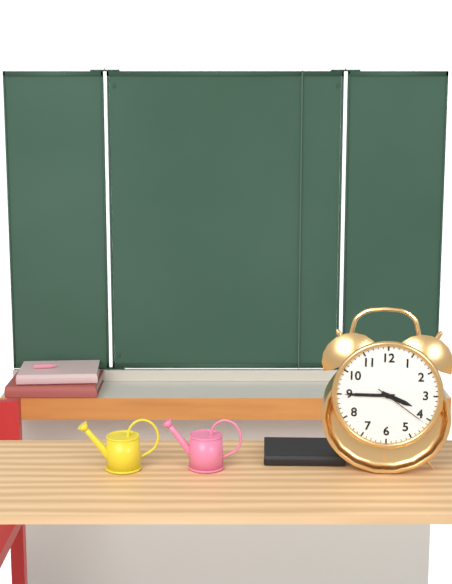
3:45:21
